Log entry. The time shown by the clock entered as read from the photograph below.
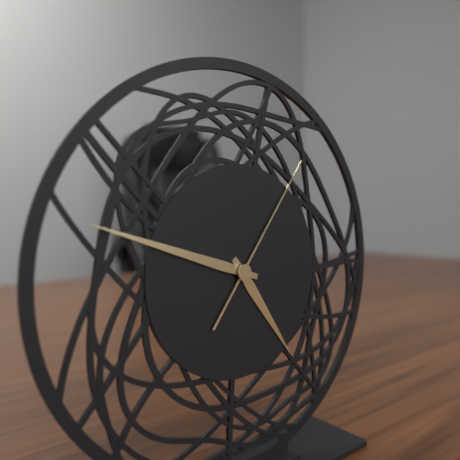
4:48:06
